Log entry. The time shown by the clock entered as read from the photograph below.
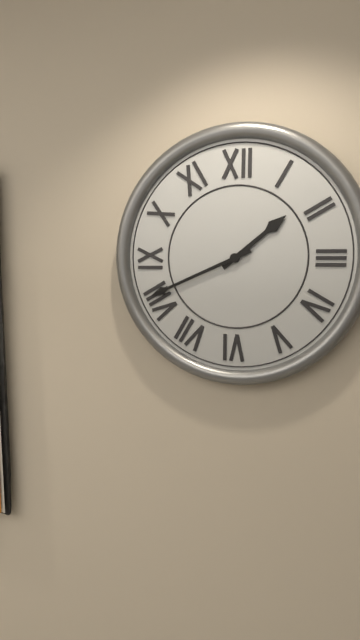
1:41
